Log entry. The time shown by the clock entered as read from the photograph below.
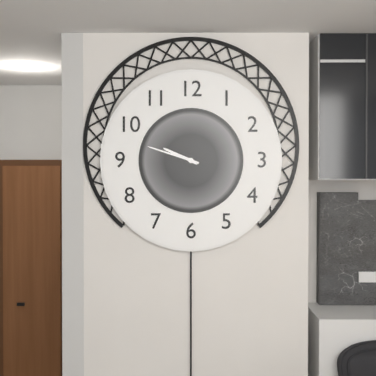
9:48
